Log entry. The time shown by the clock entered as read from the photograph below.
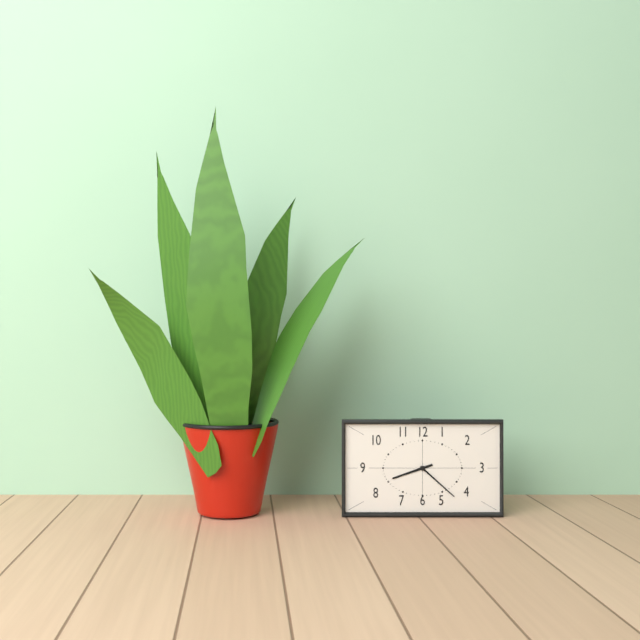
8:22
